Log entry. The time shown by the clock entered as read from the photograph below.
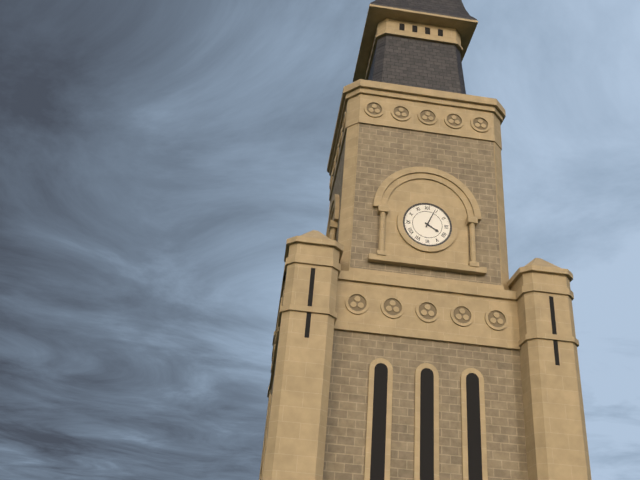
4:04
